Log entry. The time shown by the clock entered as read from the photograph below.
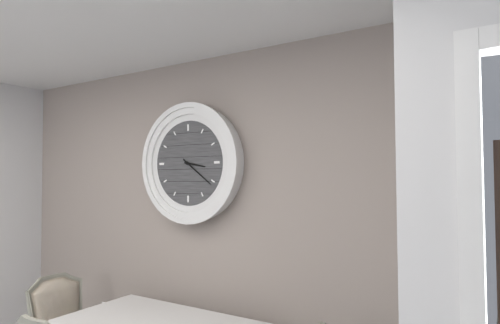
3:21
